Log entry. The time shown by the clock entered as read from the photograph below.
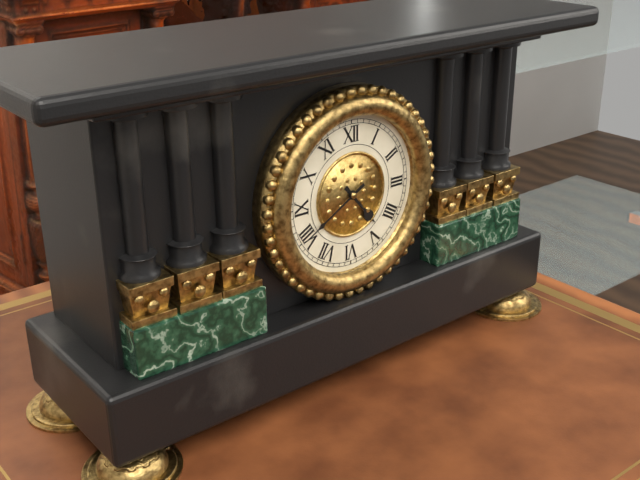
4:40
